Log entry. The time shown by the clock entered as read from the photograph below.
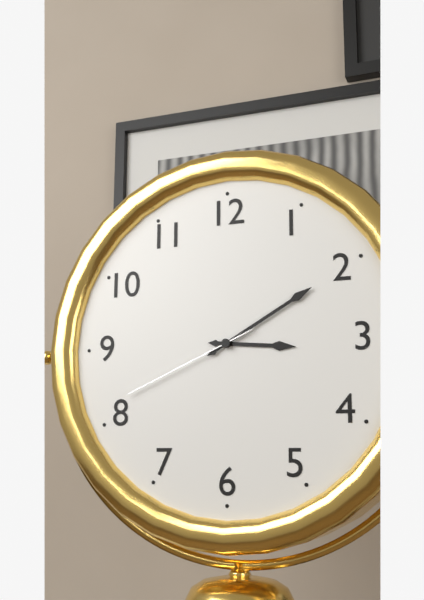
3:10:41
